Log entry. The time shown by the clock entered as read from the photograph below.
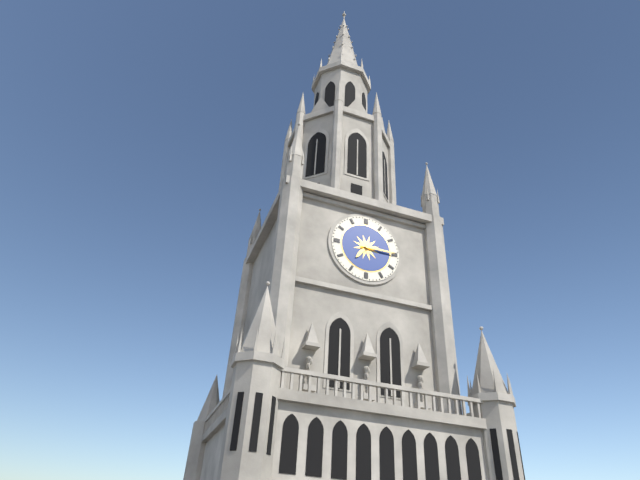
7:15
